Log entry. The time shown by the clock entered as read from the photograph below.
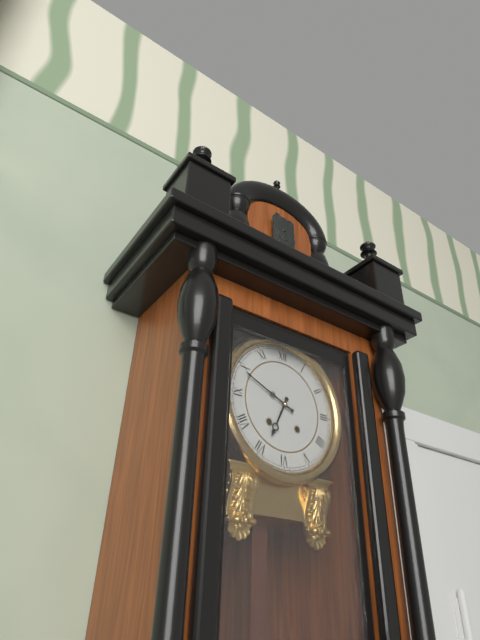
6:49
